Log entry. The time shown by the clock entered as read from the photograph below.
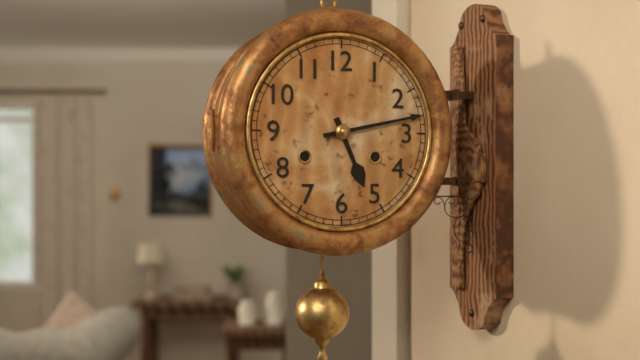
5:13
